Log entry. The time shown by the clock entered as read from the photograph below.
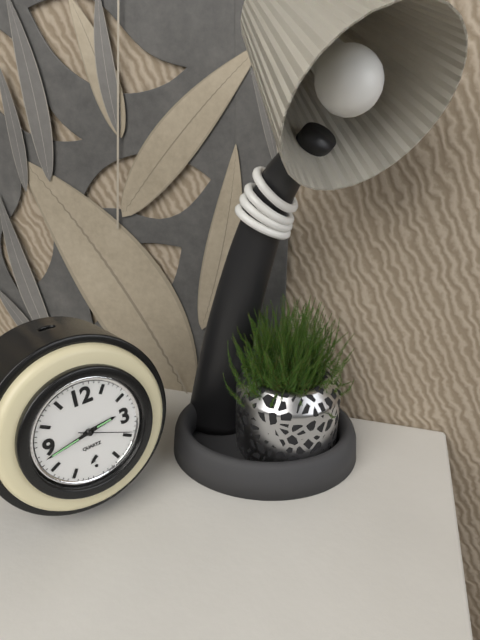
2:43:19
